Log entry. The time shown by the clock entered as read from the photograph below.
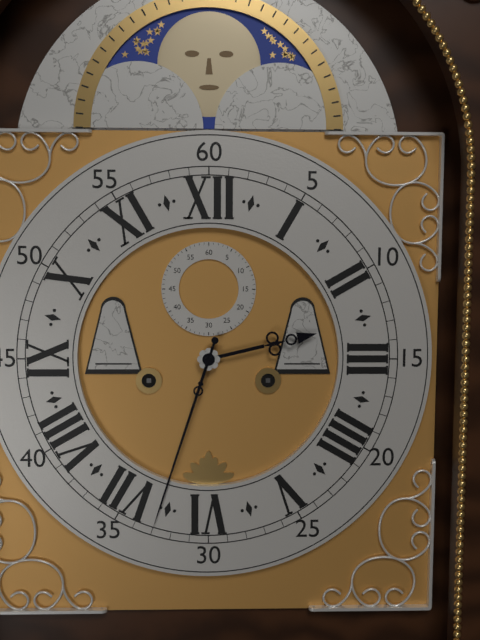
2:33
